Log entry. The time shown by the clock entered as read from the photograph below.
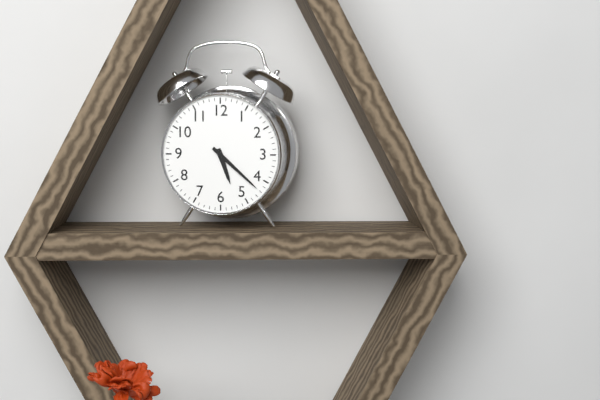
5:22
